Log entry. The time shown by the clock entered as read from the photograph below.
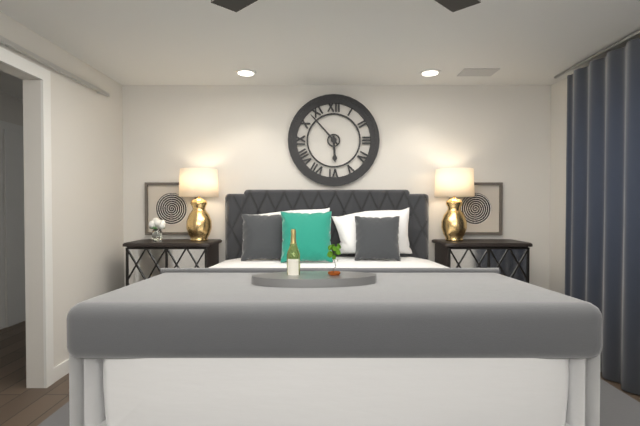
5:53
